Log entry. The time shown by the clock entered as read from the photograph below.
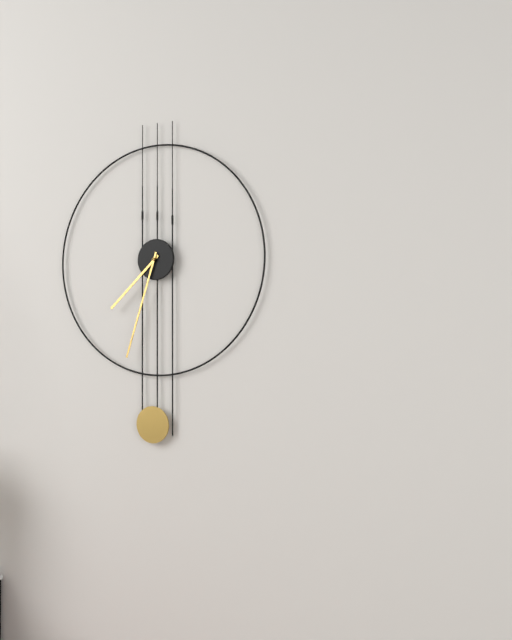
7:33
